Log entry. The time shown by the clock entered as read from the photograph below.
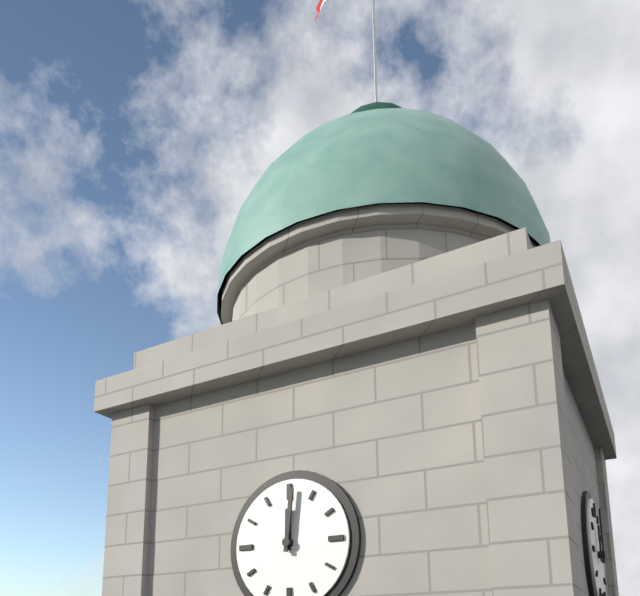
12:01
